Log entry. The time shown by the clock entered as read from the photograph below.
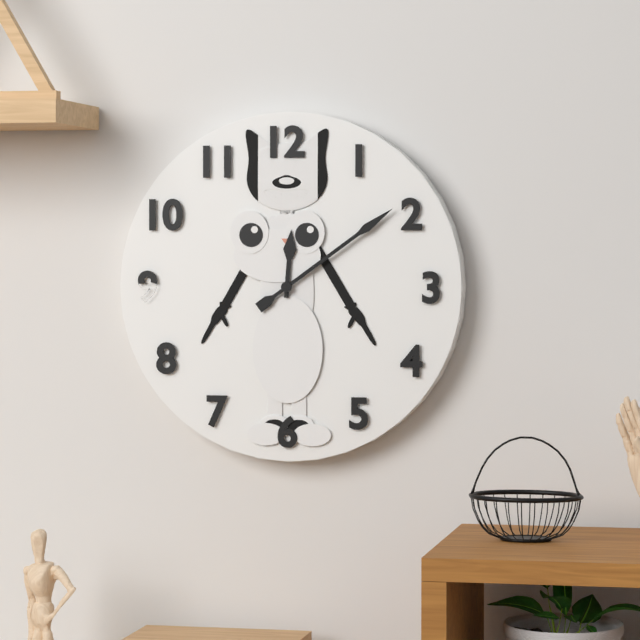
12:09
